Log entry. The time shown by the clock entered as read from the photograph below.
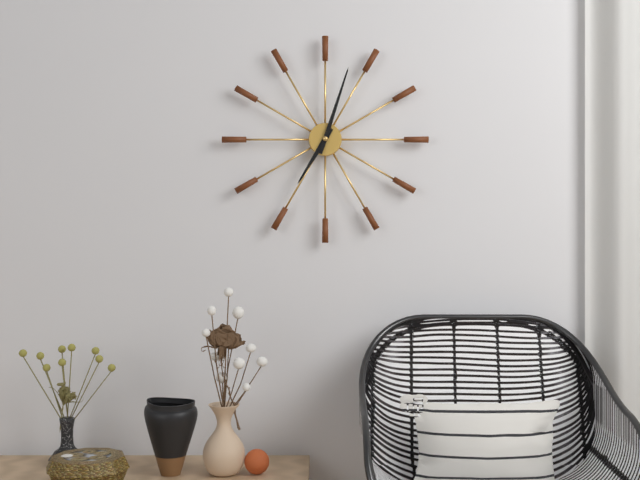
7:03
